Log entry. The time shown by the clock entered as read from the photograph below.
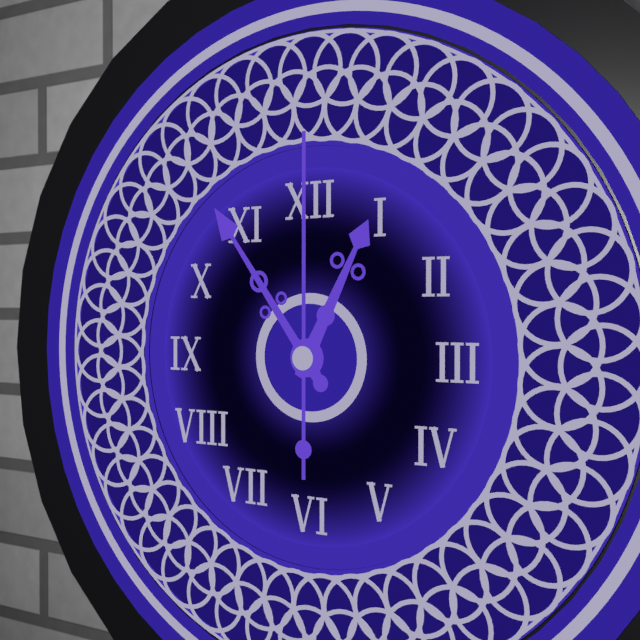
12:54:00
